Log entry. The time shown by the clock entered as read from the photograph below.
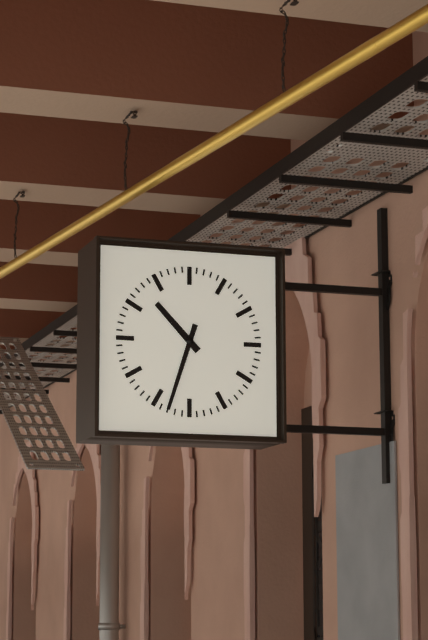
10:33
